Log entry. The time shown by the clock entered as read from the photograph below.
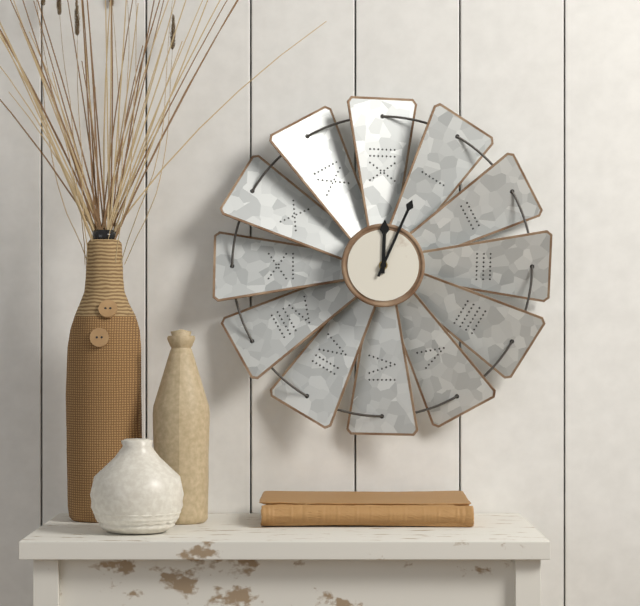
12:04
